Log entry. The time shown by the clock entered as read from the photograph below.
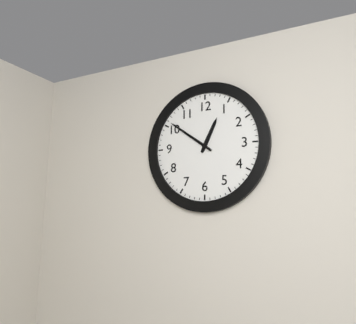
12:51
